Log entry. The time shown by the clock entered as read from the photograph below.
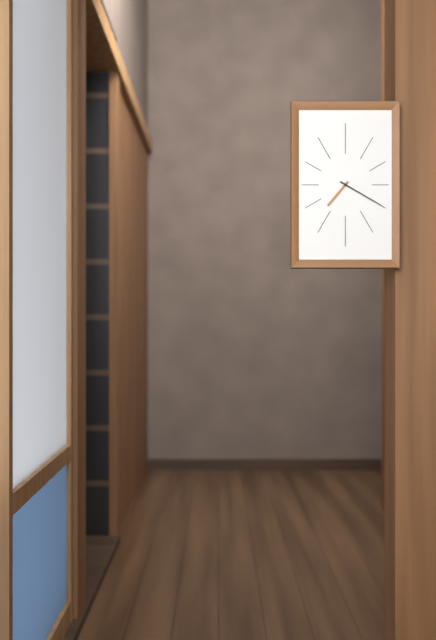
7:20
